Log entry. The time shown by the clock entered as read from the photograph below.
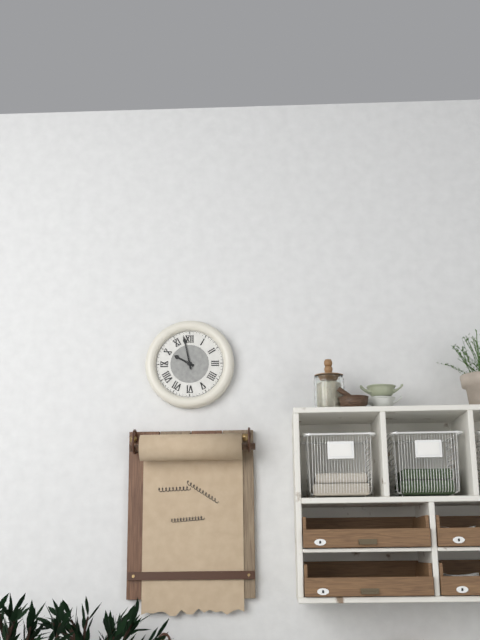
9:58
